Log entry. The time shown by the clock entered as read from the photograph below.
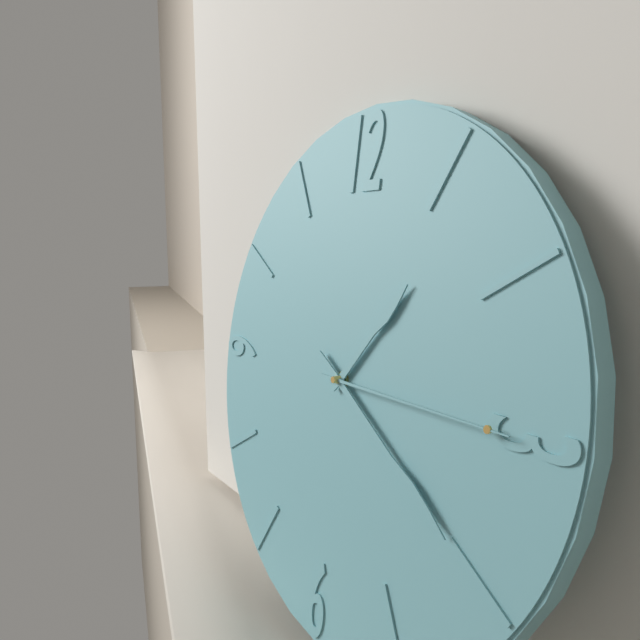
1:20:15
